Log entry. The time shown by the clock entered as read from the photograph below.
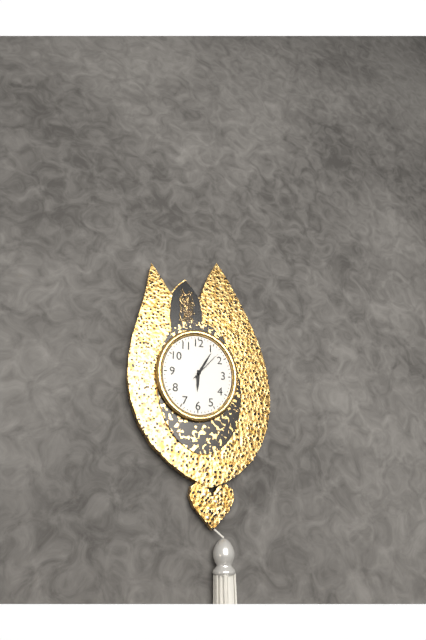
6:05
